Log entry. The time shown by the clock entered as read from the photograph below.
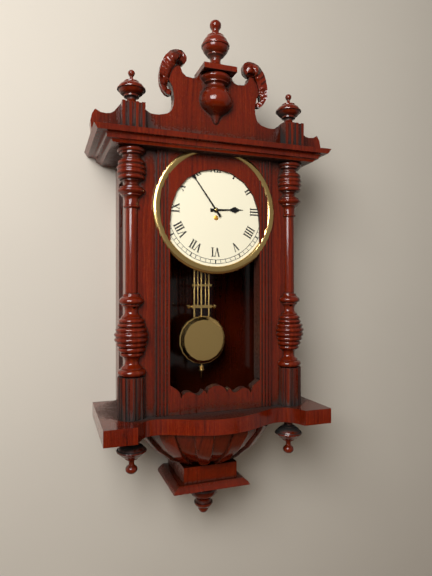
2:54
